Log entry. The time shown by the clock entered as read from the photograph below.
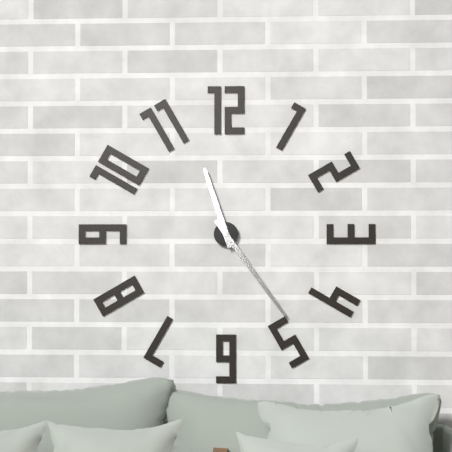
11:24
